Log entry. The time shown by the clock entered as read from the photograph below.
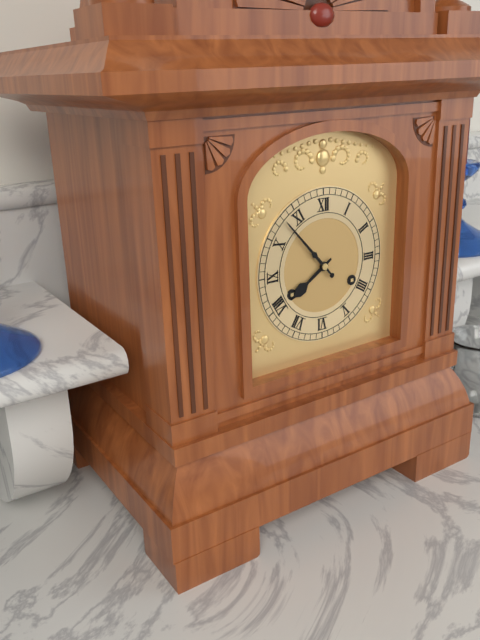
7:53
